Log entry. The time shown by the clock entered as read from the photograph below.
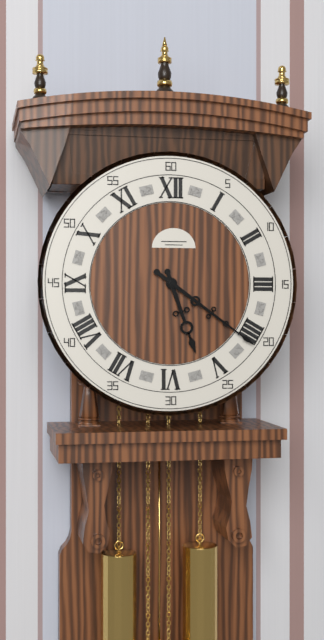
5:21
